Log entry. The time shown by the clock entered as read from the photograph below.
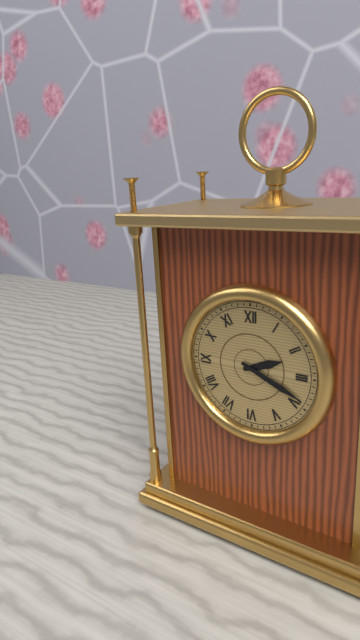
2:19
